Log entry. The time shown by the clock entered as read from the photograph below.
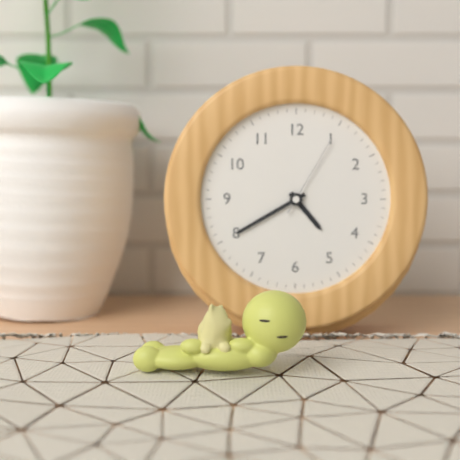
4:40:05
